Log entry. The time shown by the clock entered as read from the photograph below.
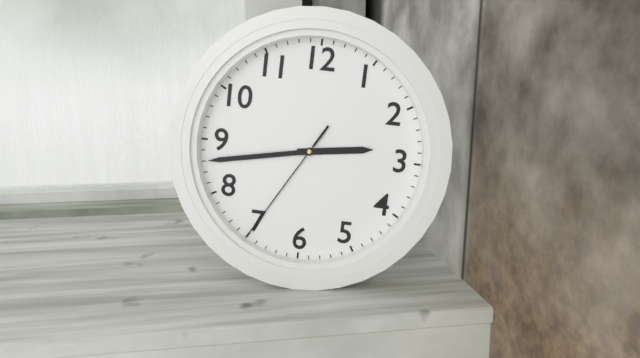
2:43:35
